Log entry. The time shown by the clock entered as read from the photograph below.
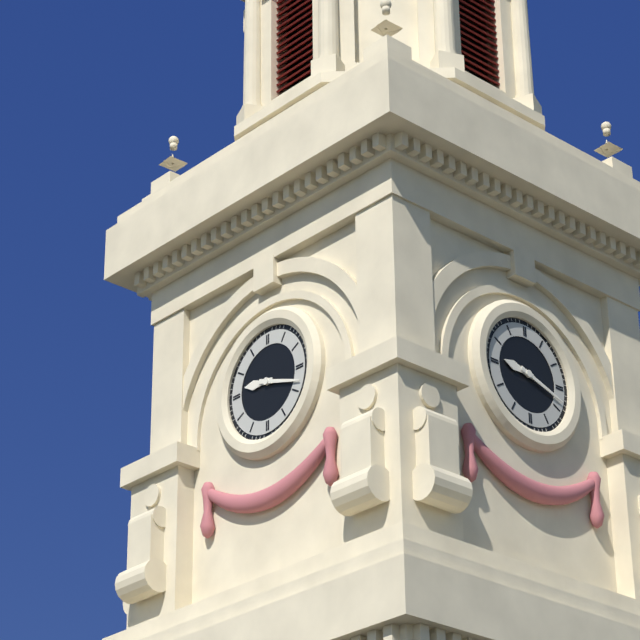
9:18
